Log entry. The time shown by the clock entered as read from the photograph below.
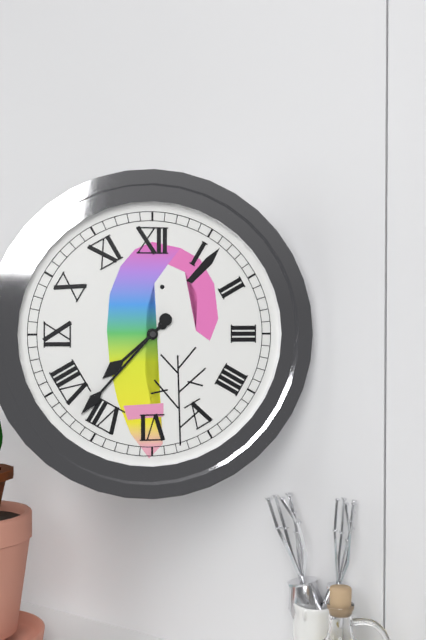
7:37
